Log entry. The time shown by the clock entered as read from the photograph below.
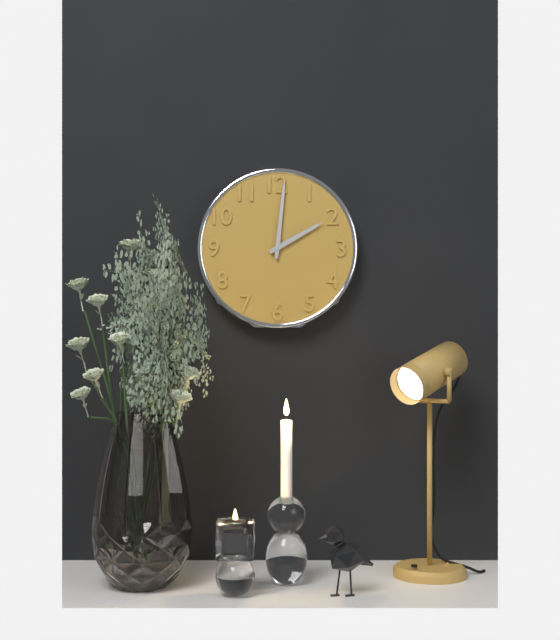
2:01
